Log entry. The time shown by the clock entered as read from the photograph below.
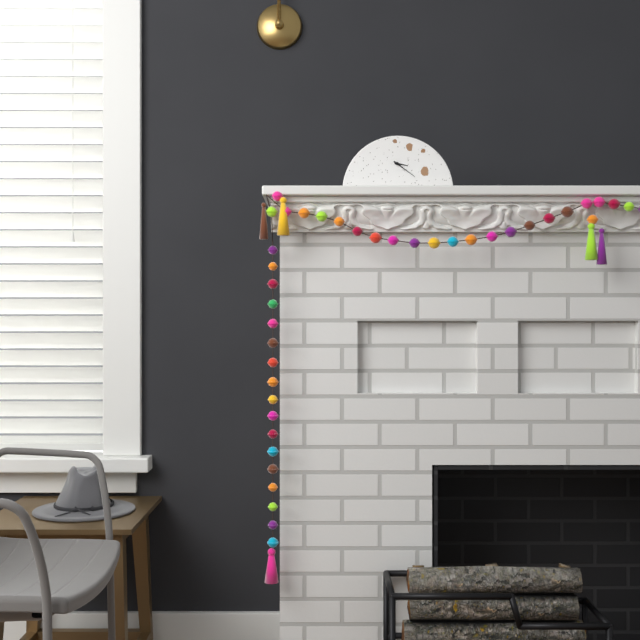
3:21
